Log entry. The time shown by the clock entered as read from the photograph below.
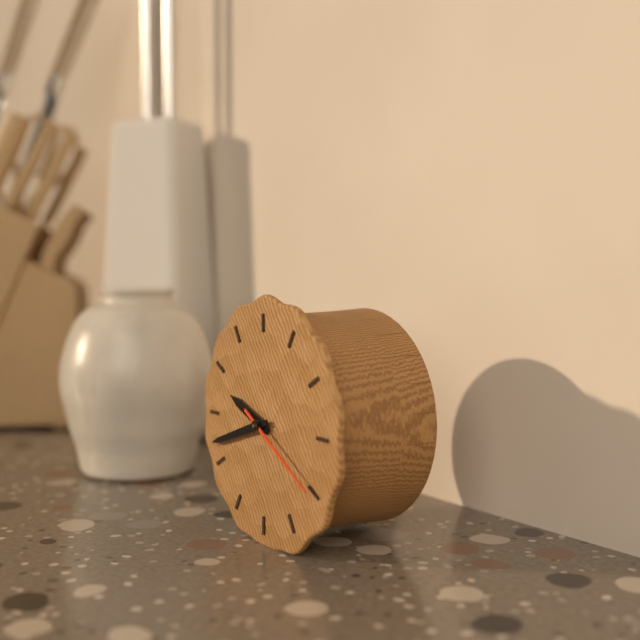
9:42:20
